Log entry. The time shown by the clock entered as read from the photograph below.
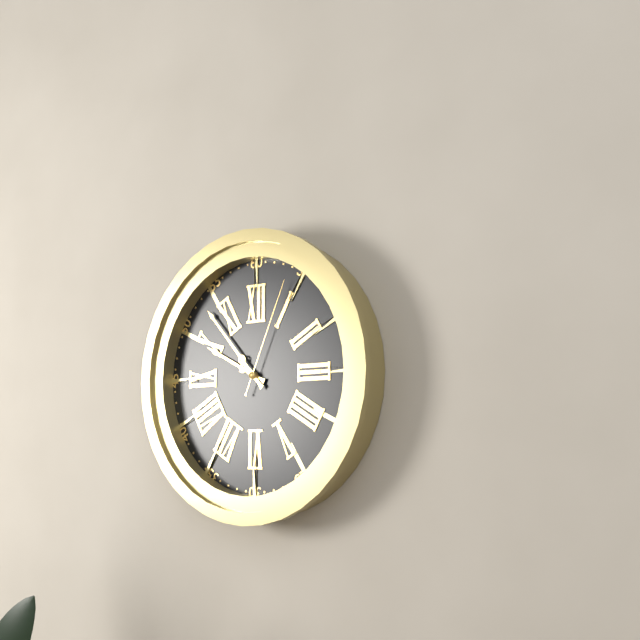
9:53:04
